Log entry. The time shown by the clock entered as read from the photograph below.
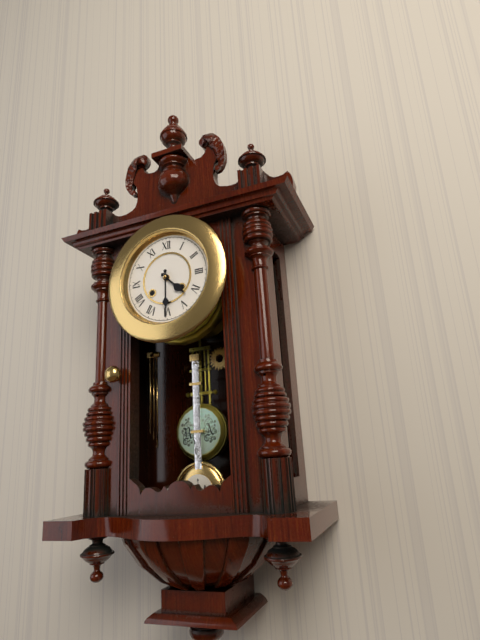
4:30
